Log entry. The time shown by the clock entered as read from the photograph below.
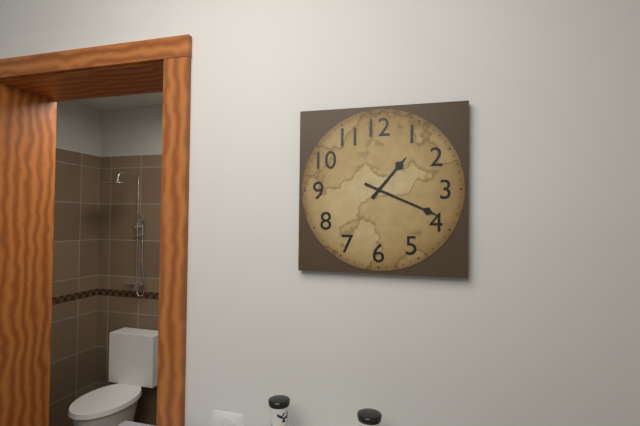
1:19
